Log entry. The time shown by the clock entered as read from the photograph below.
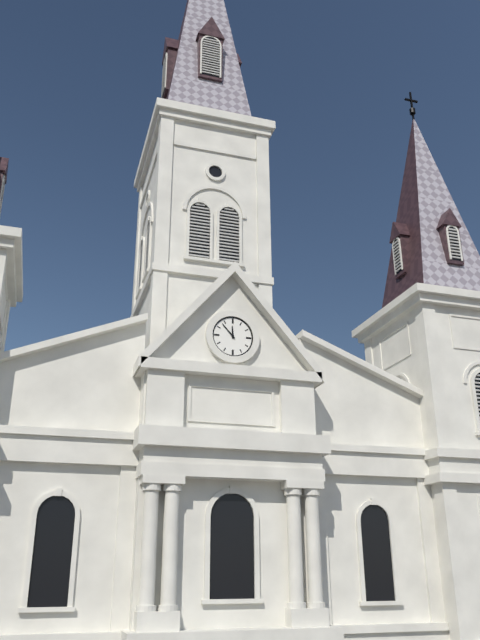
11:53
